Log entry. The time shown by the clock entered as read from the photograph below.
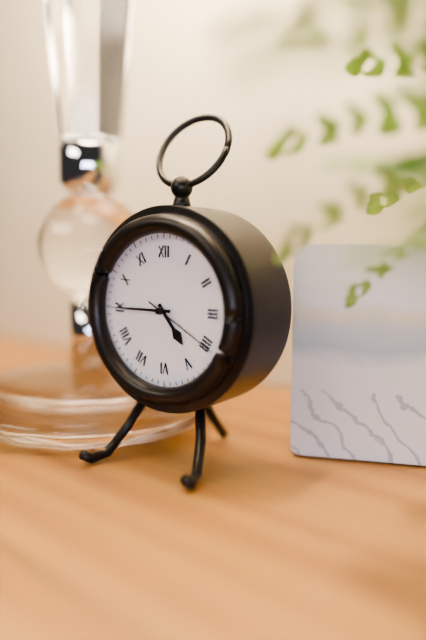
4:45:20
